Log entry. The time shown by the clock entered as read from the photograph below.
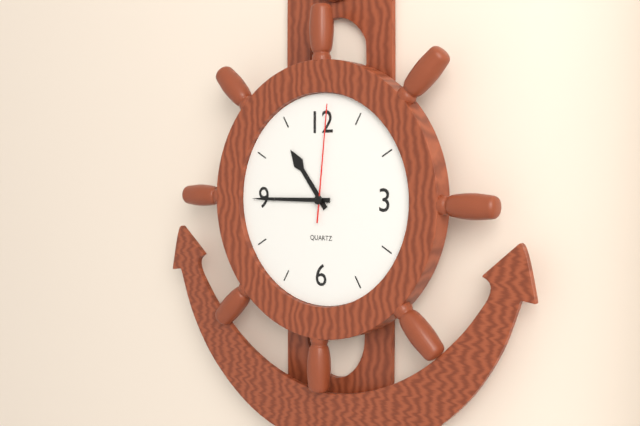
10:45:01
